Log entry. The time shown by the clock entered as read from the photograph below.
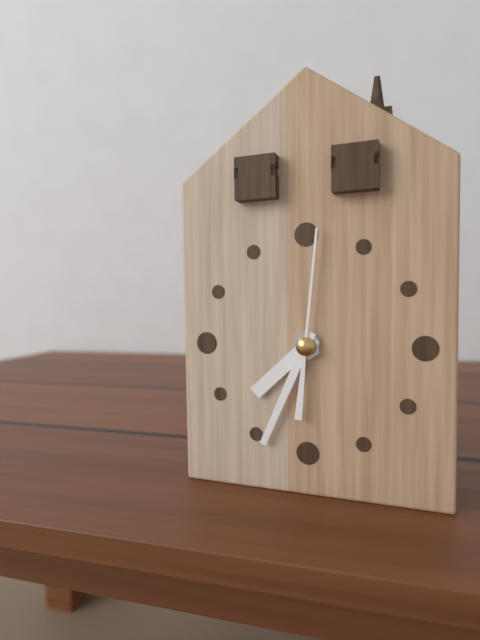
7:34:01
